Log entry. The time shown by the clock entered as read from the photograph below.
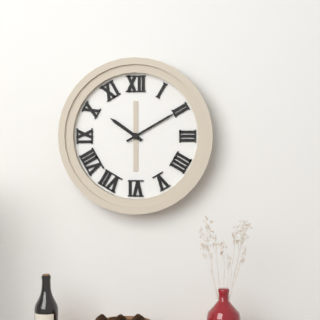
10:10
